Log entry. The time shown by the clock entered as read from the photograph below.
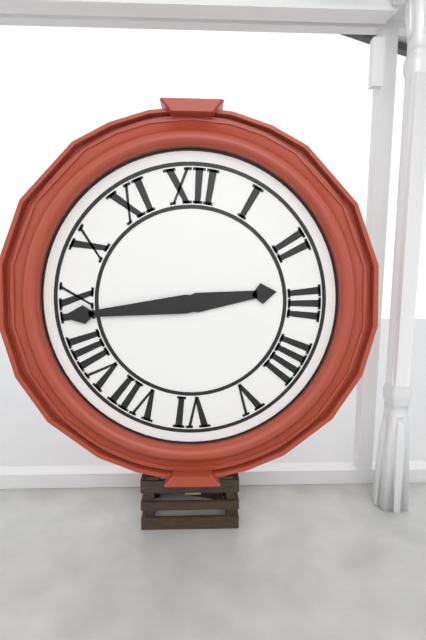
2:44
